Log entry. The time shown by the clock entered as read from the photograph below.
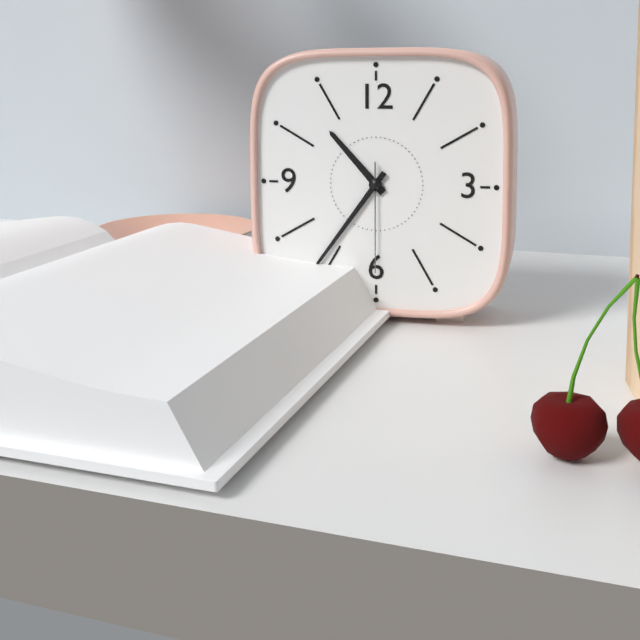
10:36:30
